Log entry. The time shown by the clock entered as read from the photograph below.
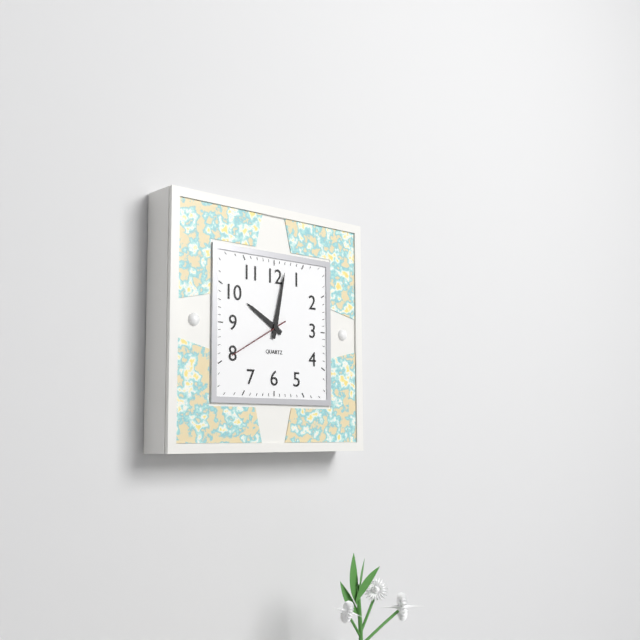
10:02:40
